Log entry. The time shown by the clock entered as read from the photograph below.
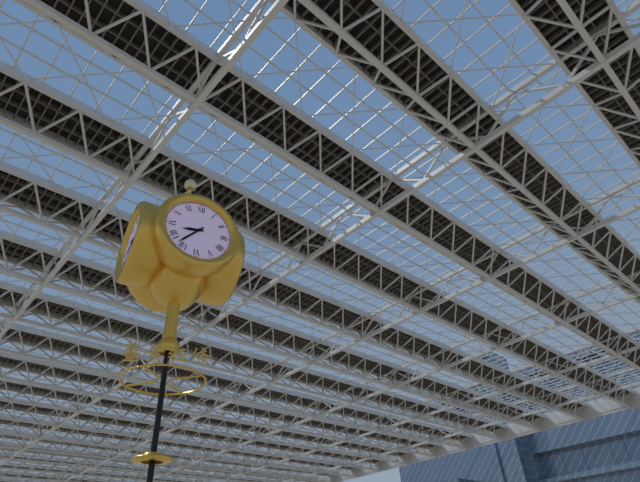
8:37
